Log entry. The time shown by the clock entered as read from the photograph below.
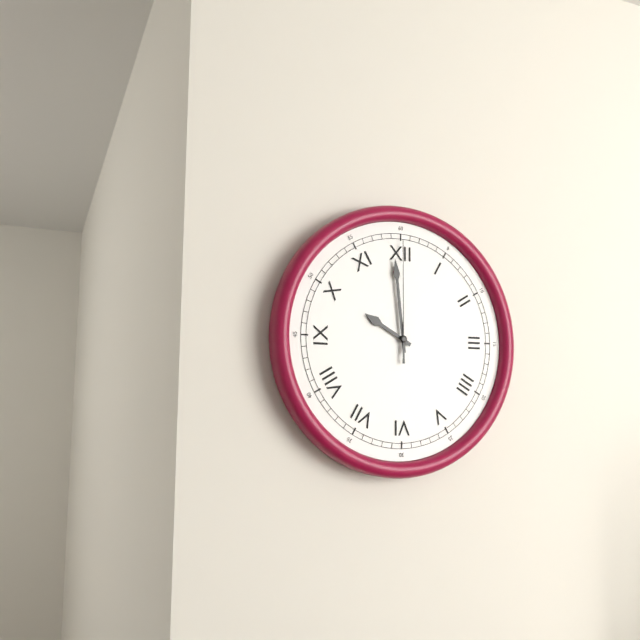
9:59:00
